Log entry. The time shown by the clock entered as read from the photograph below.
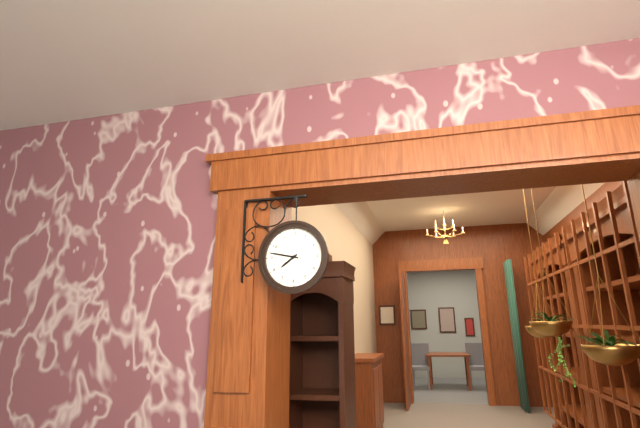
7:47
